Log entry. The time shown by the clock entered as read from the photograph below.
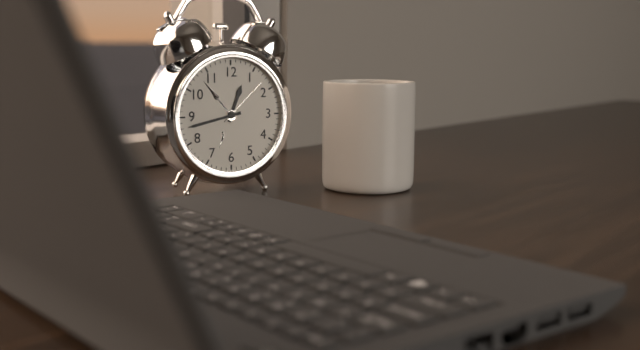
12:43
